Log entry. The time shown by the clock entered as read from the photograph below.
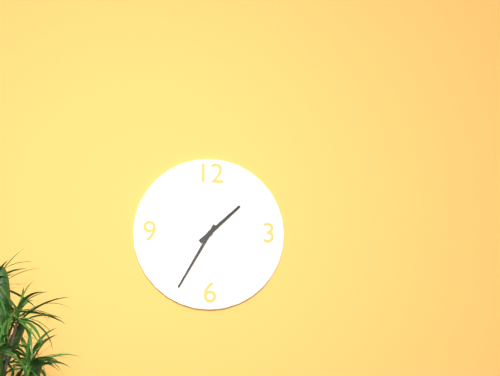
1:35
